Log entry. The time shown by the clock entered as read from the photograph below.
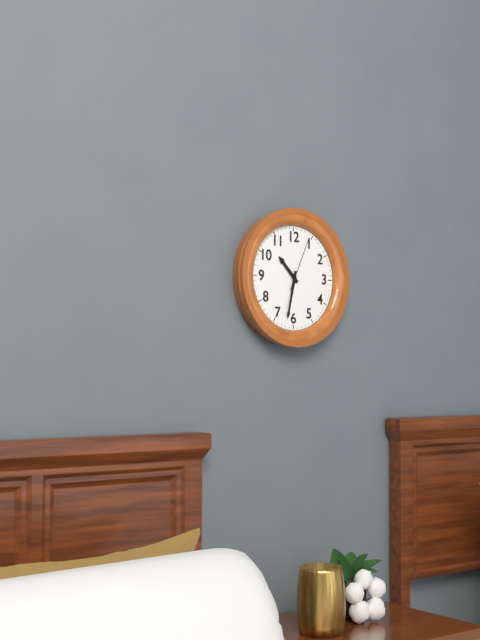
10:32:04
